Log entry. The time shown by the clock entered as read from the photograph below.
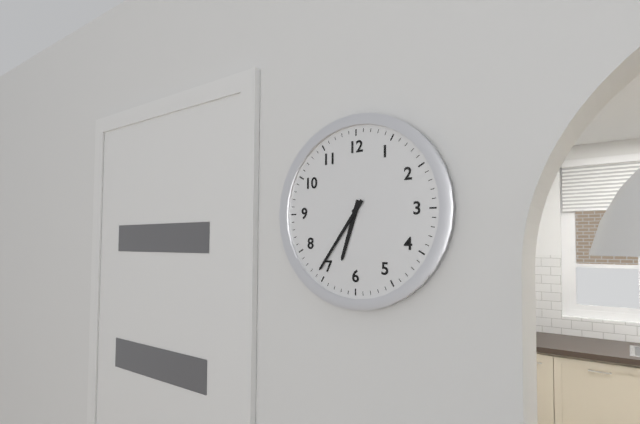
6:36
